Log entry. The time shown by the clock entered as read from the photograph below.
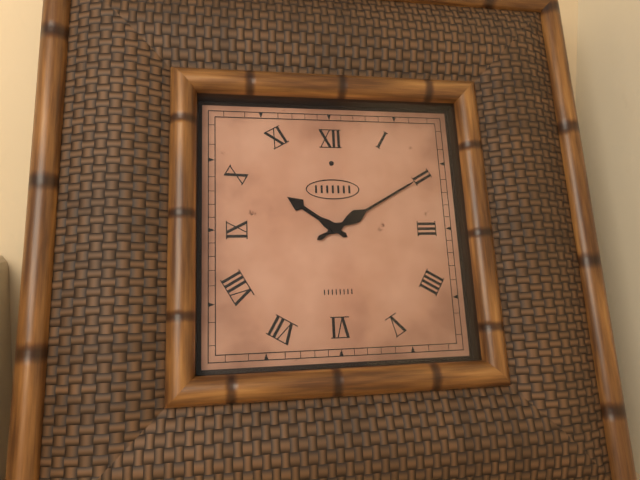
10:10
